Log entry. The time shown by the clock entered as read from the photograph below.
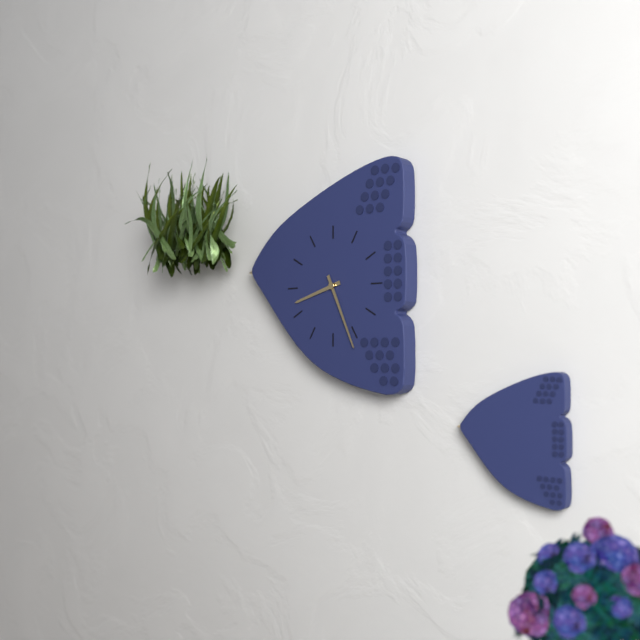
8:26
